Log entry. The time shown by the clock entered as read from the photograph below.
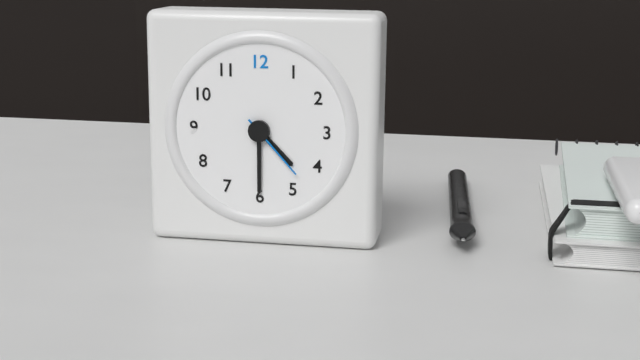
4:30:23
